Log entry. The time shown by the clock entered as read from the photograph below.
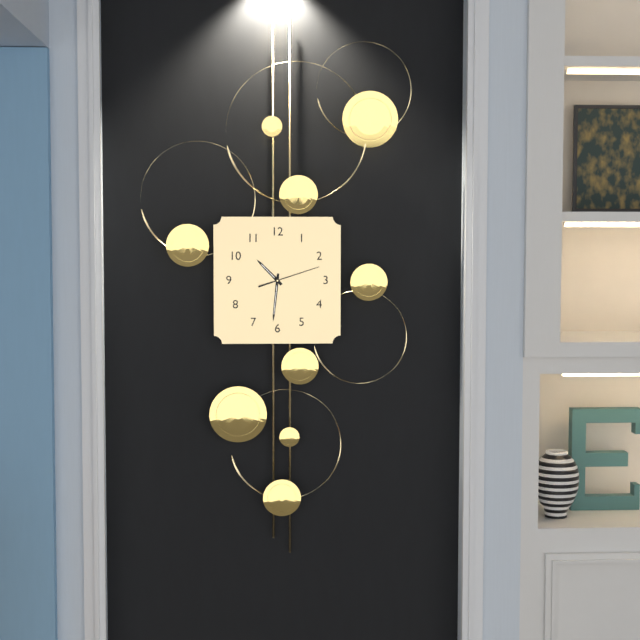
10:31:12
